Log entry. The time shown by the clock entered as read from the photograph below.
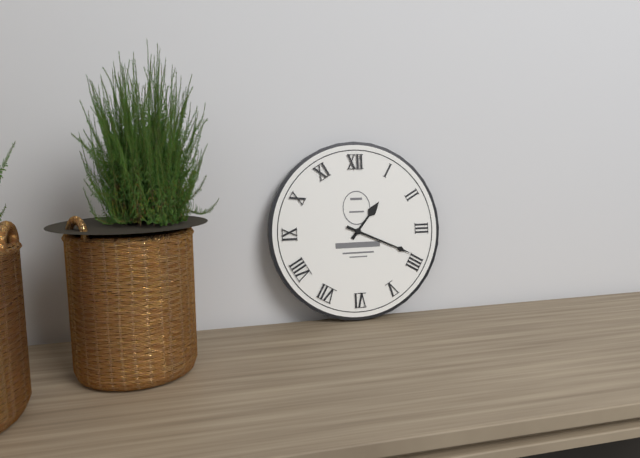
1:19
